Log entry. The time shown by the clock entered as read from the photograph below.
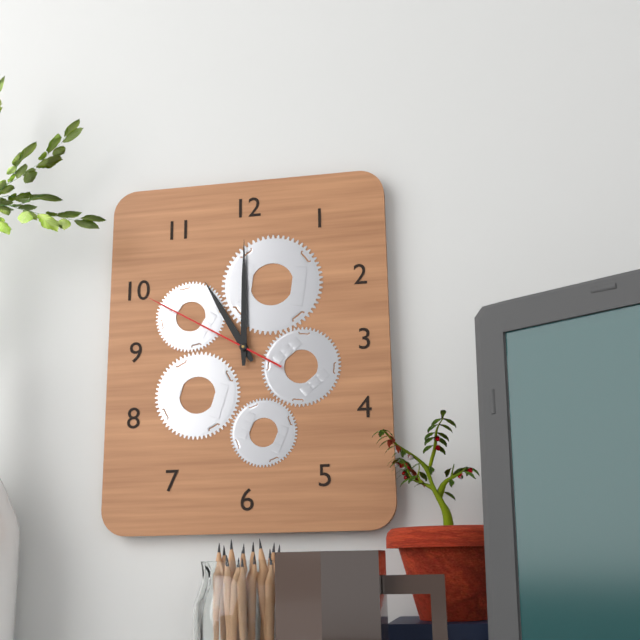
11:00:50
